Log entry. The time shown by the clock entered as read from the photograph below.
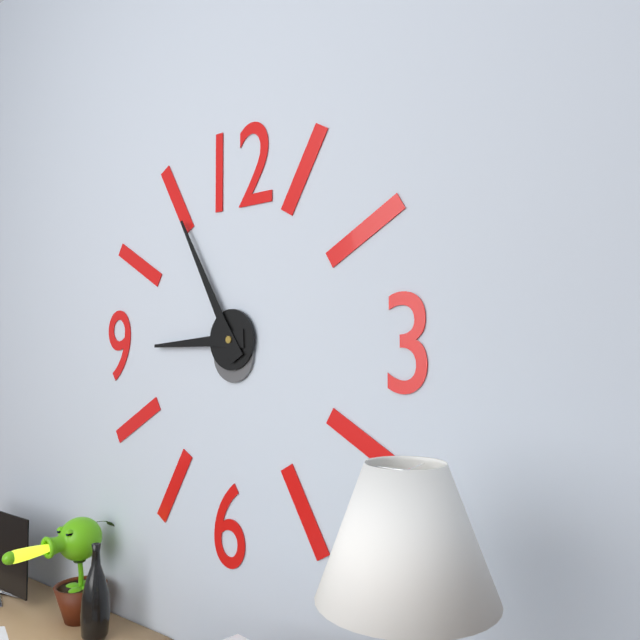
8:55
